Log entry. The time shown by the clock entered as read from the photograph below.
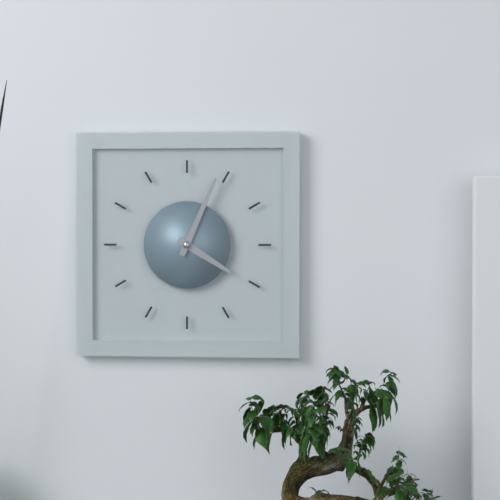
4:04
